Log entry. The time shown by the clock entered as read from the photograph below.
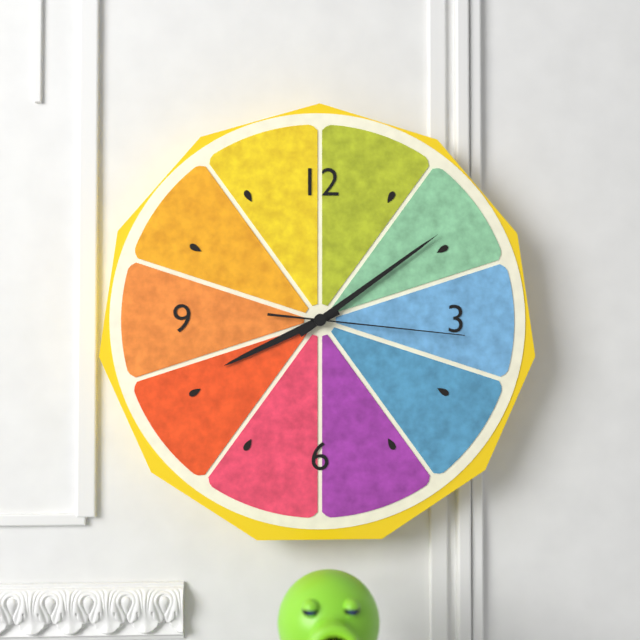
8:09:16
